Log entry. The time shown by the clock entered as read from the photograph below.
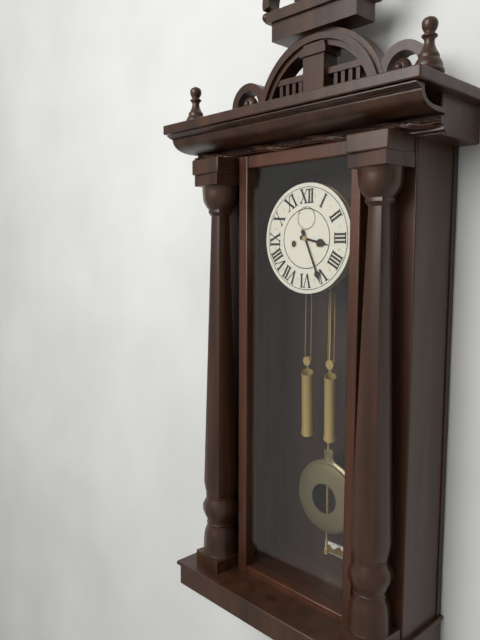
3:26
